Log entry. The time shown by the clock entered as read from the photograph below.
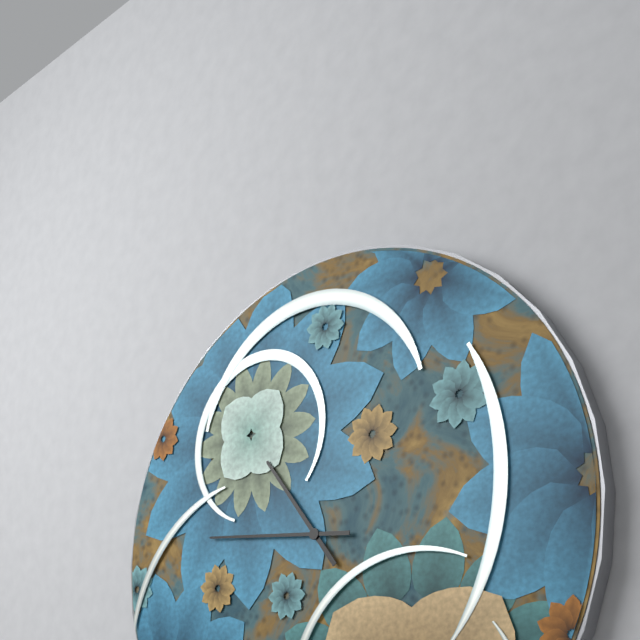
10:46
